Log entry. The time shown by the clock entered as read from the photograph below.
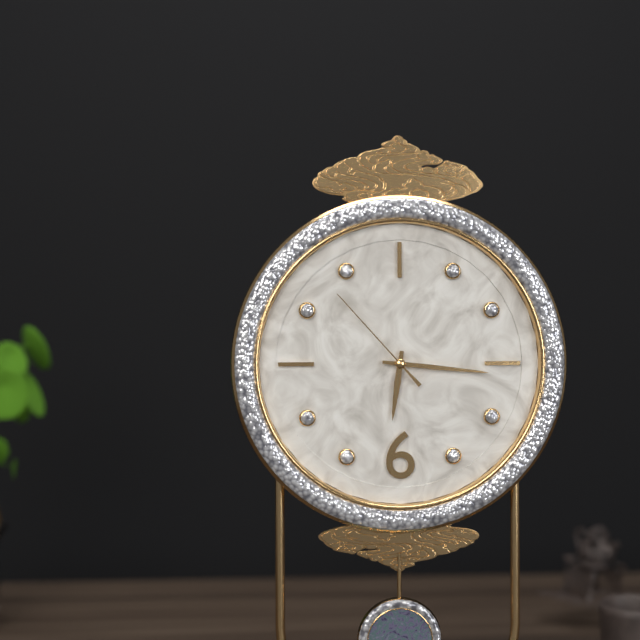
6:16:53
